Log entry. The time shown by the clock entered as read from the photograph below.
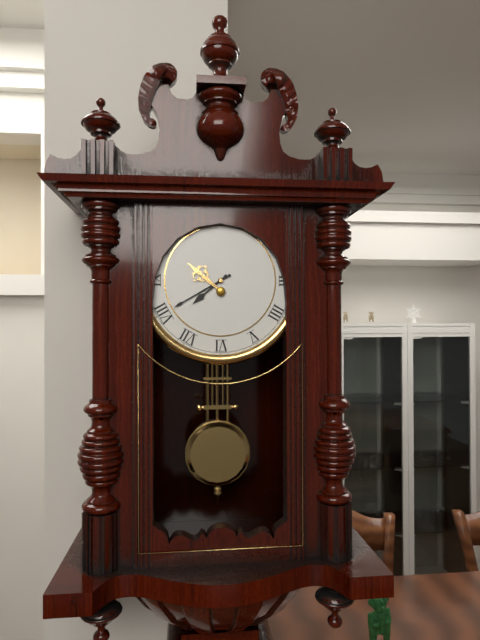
7:40
